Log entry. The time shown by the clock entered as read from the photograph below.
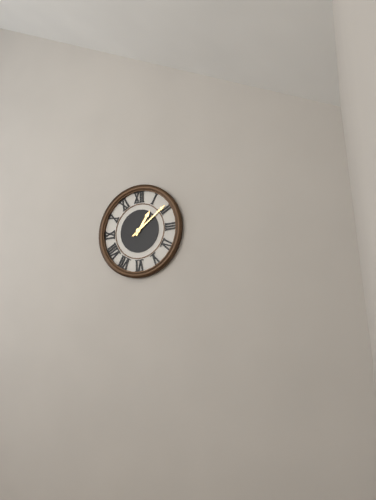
1:09
